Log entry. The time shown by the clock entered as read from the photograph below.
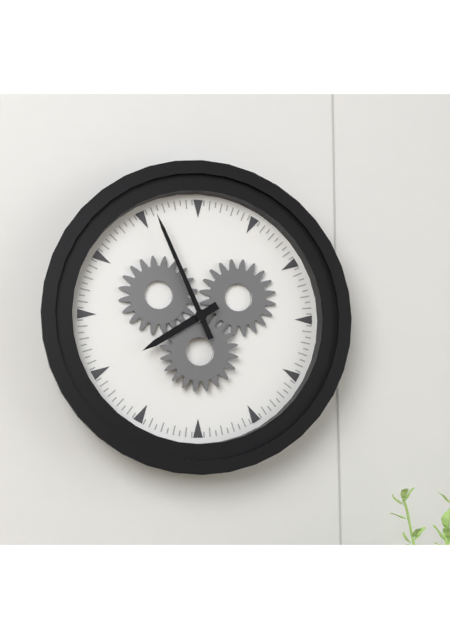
7:56
